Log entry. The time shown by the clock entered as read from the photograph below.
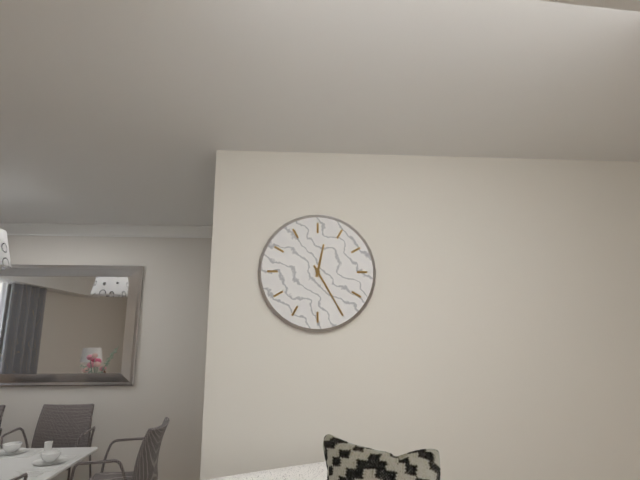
12:25
